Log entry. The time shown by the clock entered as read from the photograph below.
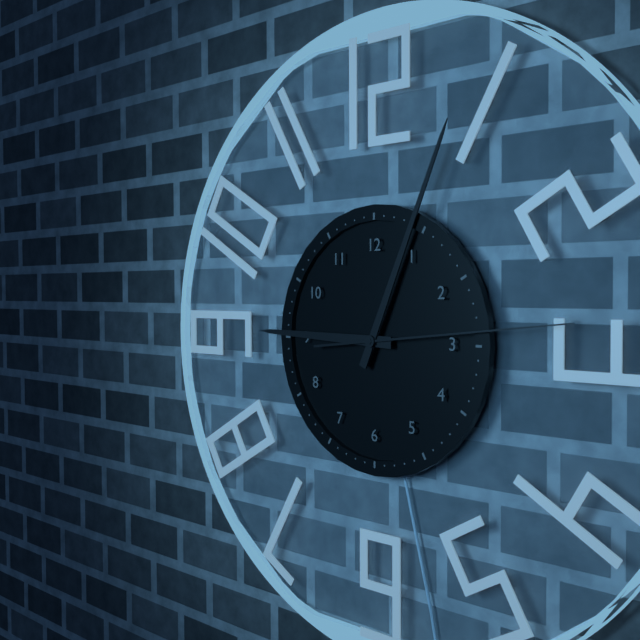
9:04:14
